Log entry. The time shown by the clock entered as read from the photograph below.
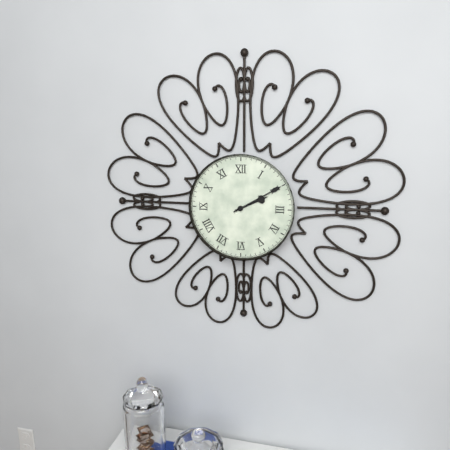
2:10
